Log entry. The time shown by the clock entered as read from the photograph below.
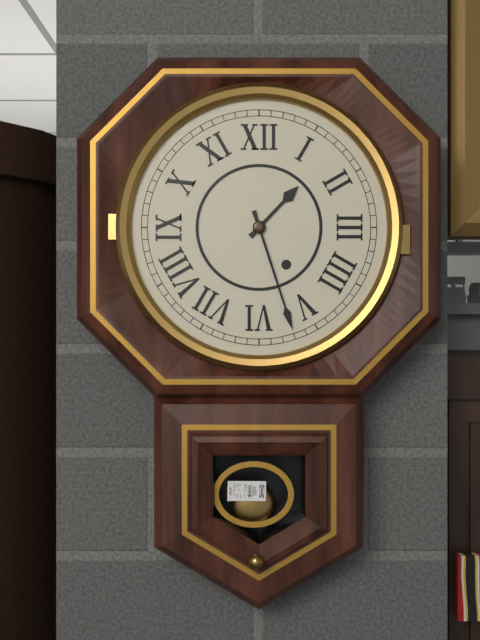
1:27
